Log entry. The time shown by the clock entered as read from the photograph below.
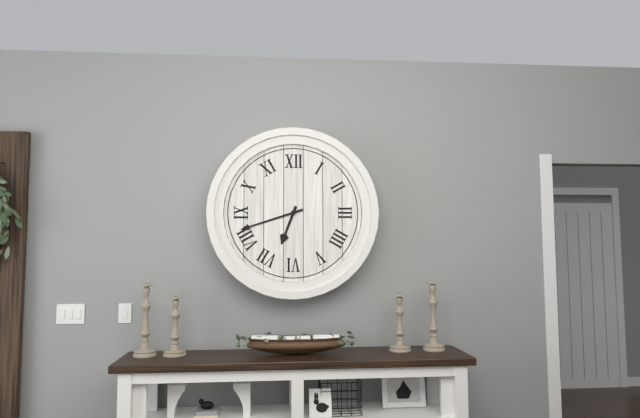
6:42
